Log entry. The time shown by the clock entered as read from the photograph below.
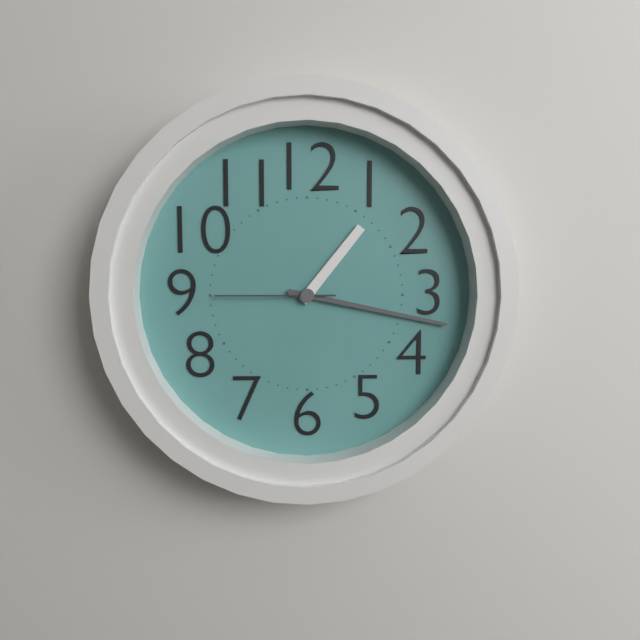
1:17:45
